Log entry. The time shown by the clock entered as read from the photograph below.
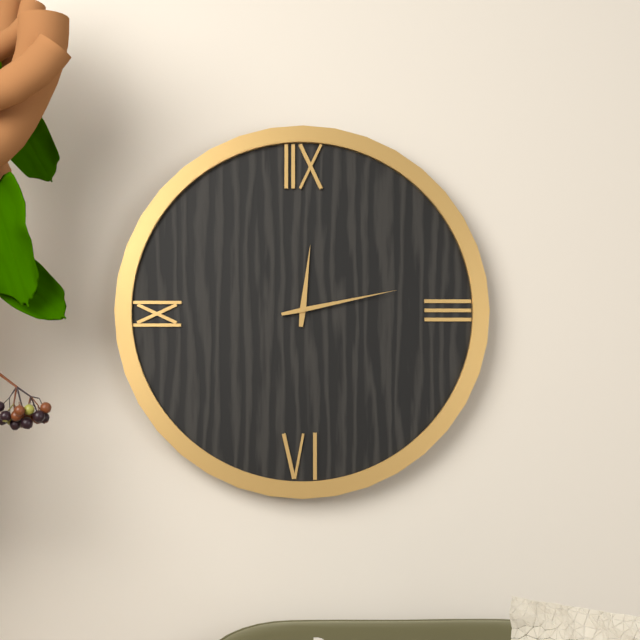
12:13
